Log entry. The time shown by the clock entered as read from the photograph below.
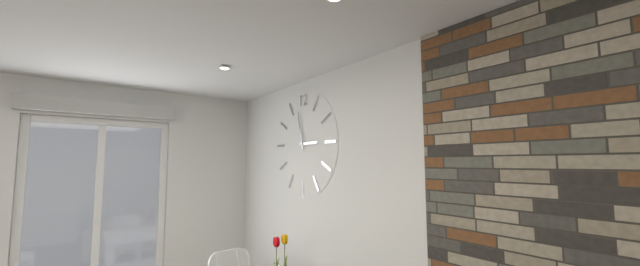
2:58
